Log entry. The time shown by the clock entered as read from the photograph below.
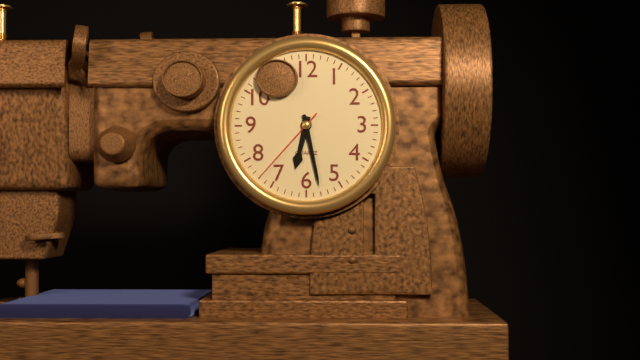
6:28:37
